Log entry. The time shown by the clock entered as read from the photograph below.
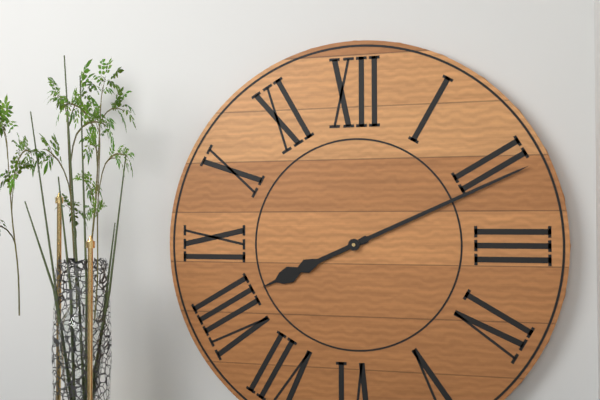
8:11
